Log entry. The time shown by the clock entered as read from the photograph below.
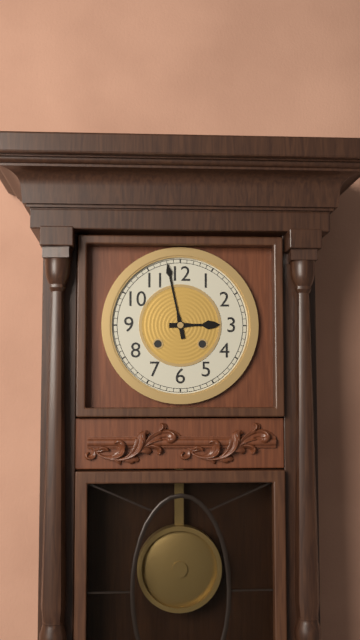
2:58
